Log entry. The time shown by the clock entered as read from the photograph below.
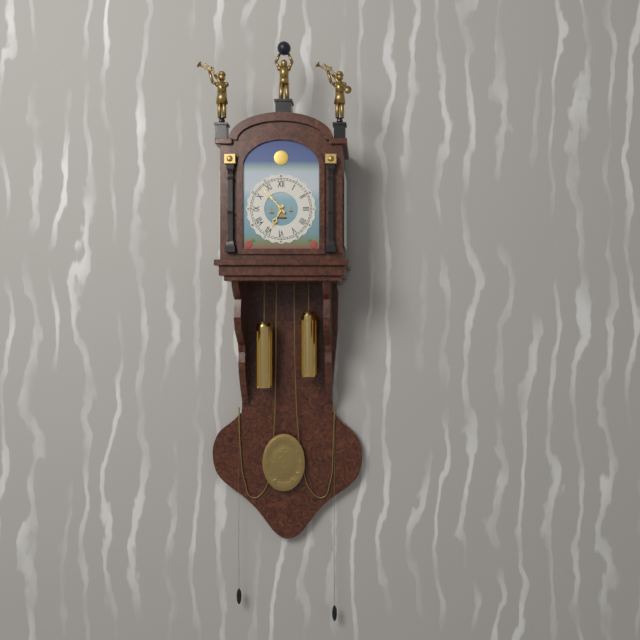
6:53
